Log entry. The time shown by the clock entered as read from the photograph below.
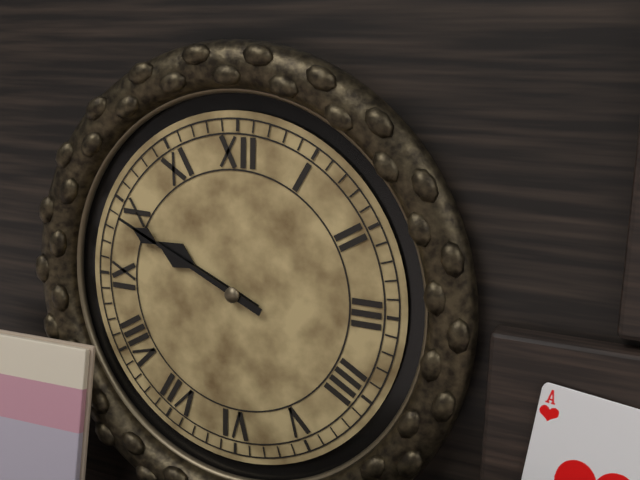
9:49
